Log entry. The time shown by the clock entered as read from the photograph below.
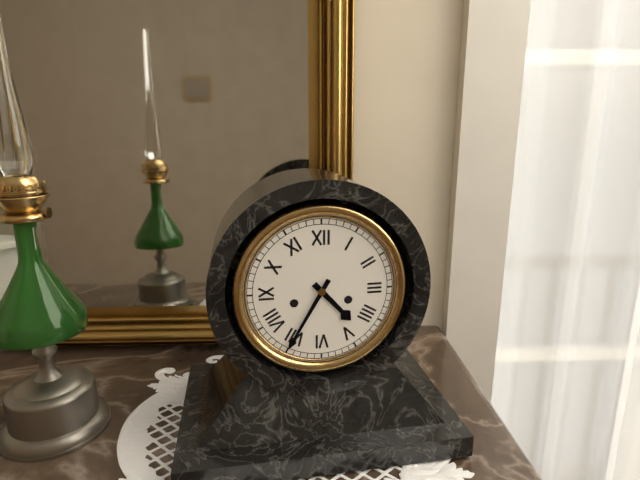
4:35
